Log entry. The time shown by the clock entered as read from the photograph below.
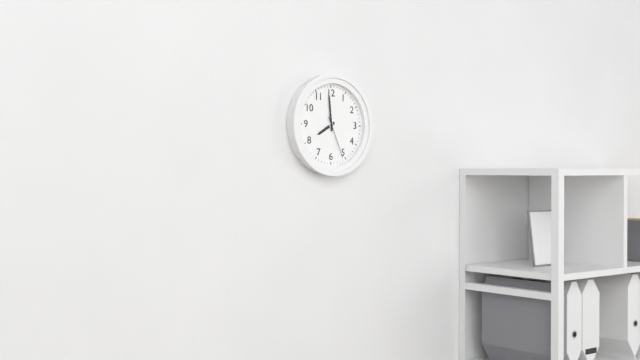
7:59
